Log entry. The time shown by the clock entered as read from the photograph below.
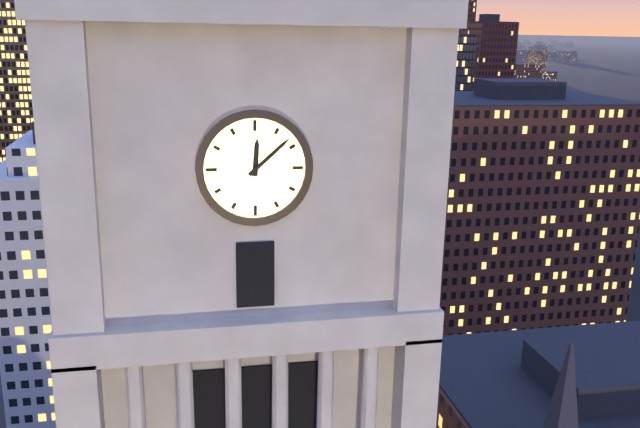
12:08
